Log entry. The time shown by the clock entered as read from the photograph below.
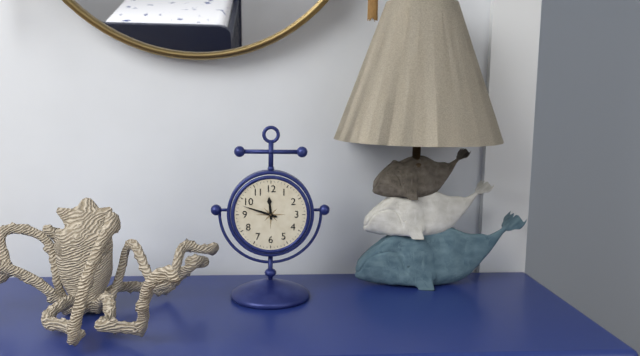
11:48
